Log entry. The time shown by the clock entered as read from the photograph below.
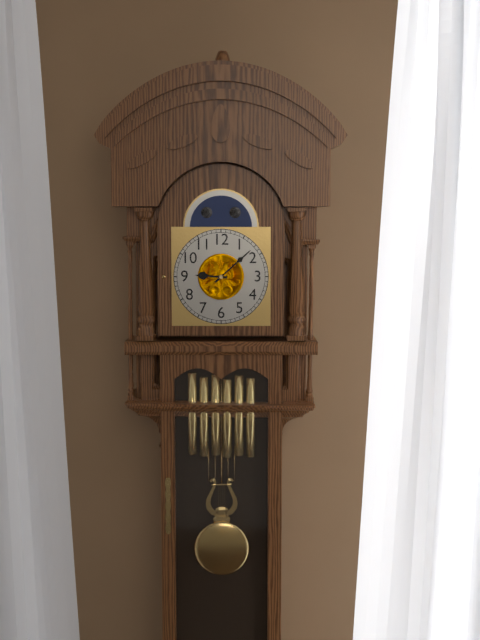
9:08
